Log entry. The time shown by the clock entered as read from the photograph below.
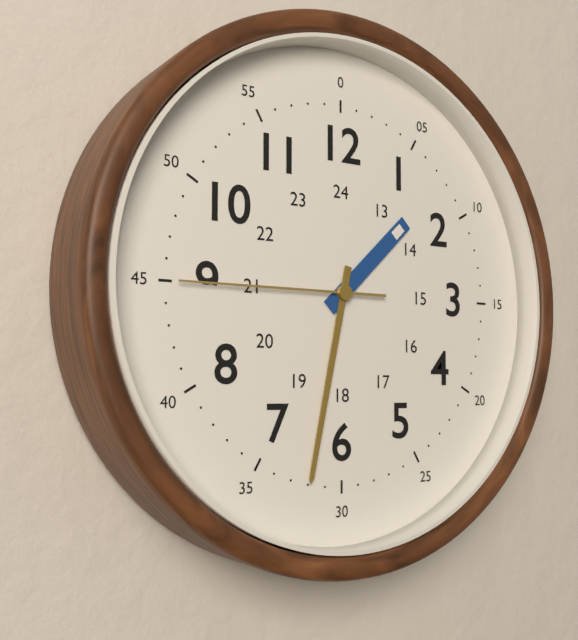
1:32:45
